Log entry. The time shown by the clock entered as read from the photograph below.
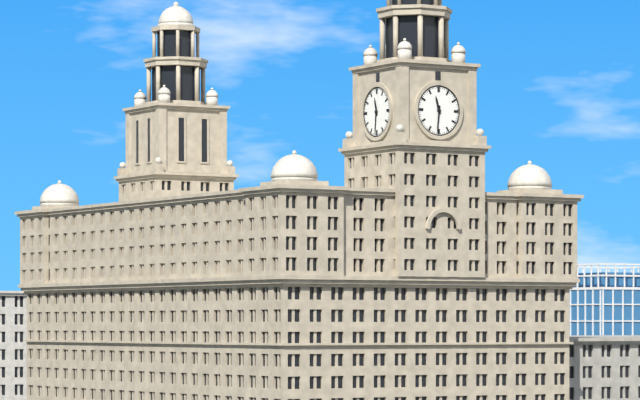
11:31
